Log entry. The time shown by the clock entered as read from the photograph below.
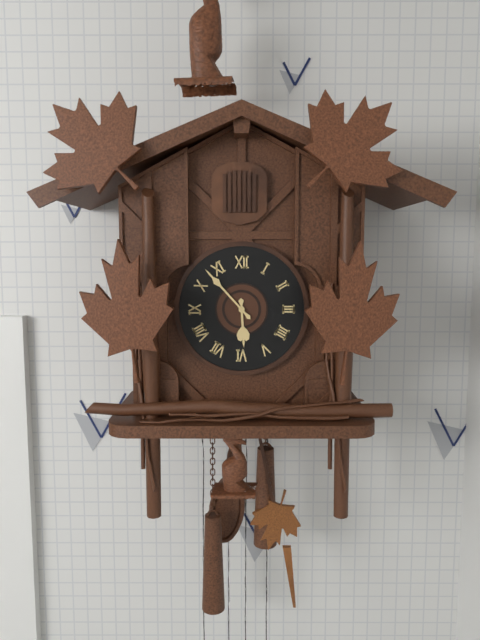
5:53
